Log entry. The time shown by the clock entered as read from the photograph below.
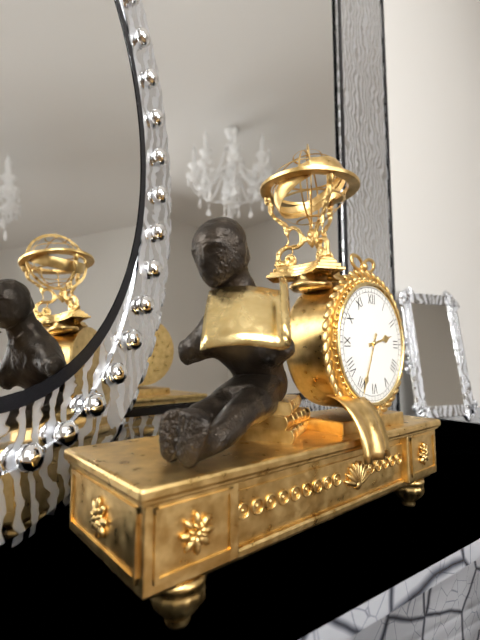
2:34
